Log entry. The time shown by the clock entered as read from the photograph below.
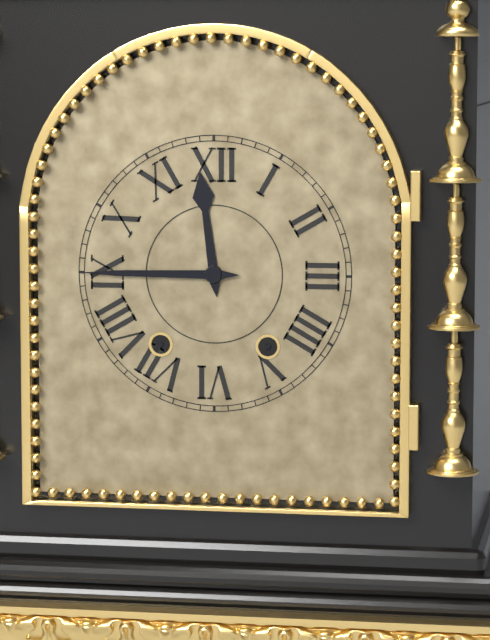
11:45
